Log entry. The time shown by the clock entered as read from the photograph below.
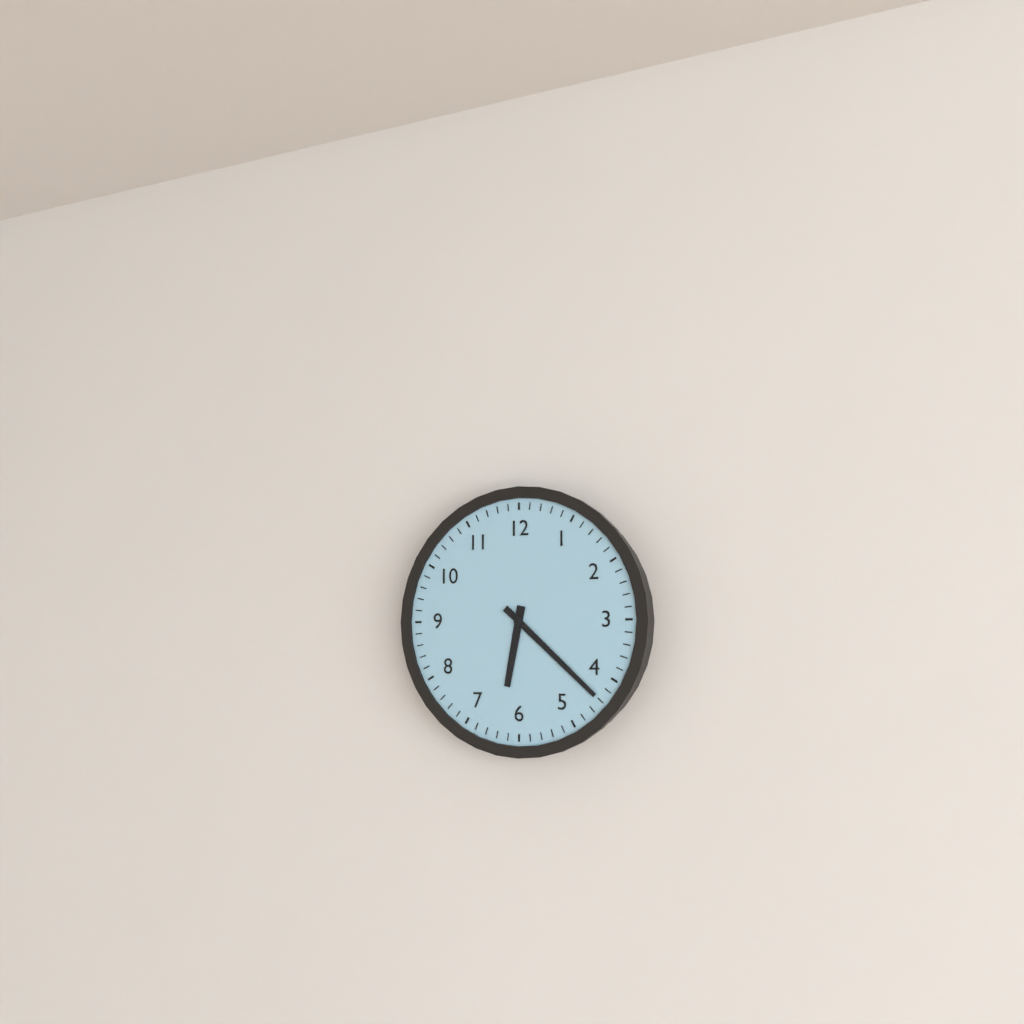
6:22
